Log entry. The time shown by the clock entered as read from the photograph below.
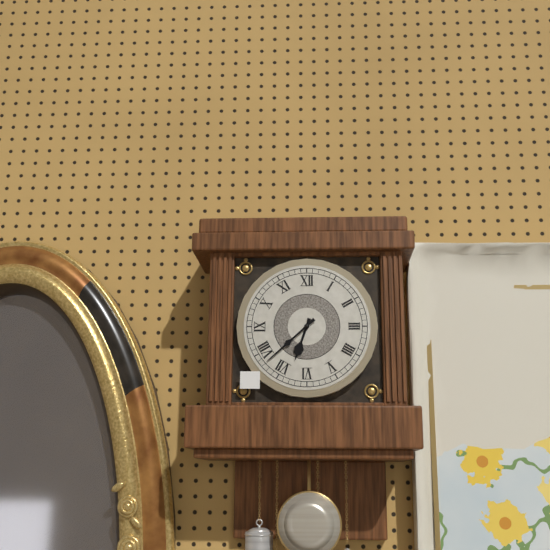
6:38
